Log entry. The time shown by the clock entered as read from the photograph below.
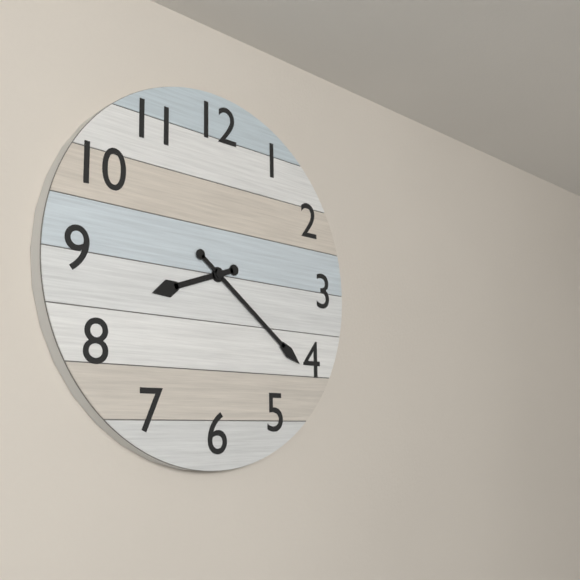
8:21
